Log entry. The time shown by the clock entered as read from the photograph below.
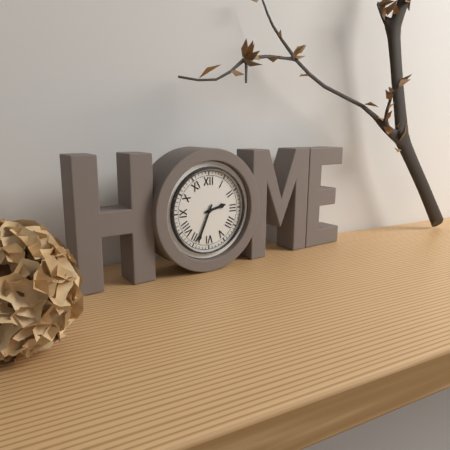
2:34
